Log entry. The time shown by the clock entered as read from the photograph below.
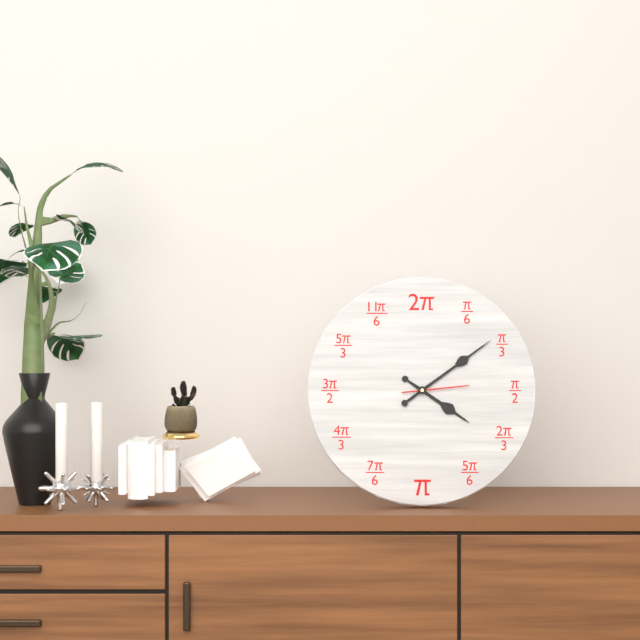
4:09:14
